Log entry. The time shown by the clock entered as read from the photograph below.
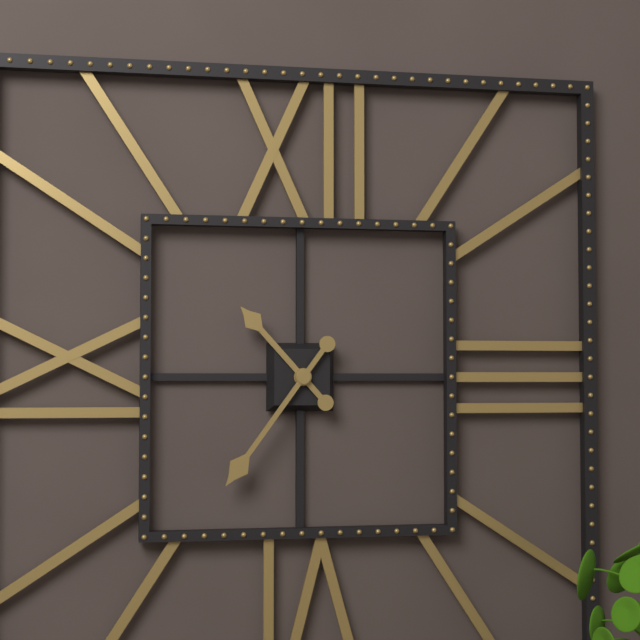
10:36
